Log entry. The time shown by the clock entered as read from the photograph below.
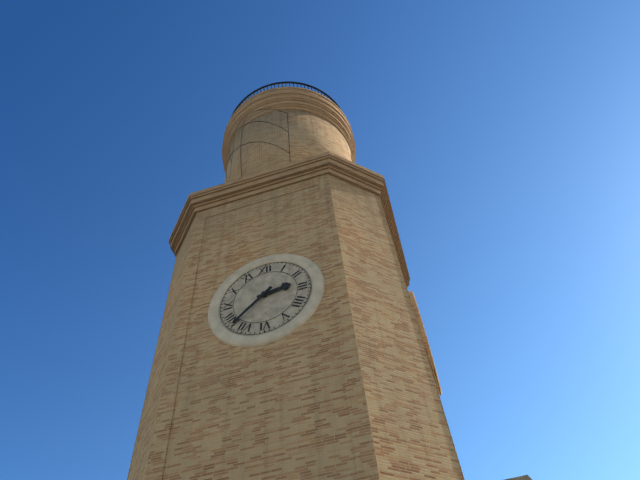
2:38
